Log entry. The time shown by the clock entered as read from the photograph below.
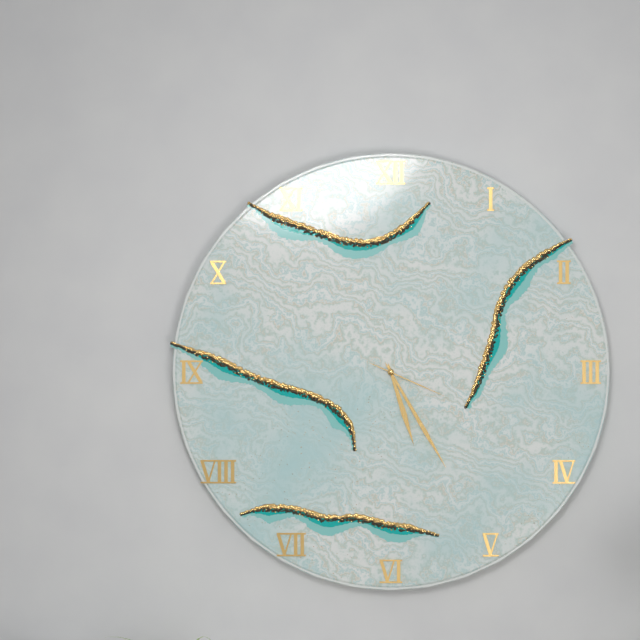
5:25:19
